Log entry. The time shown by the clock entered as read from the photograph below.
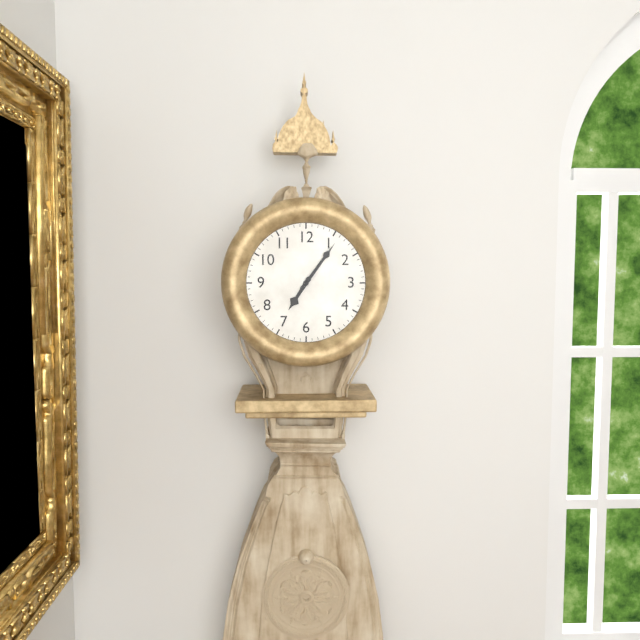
7:06
